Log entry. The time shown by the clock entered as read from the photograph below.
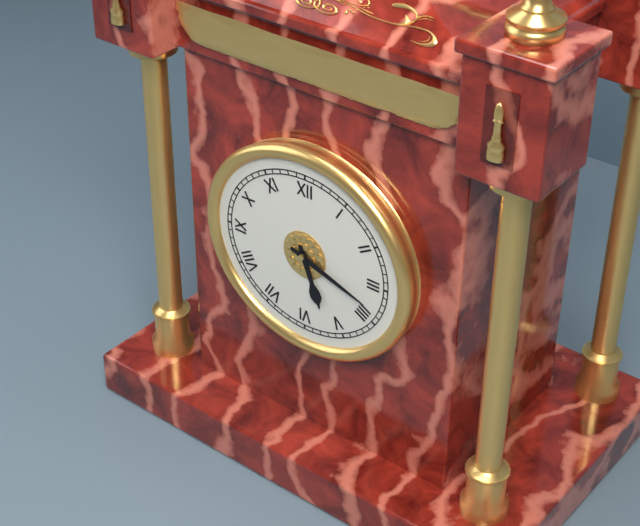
5:18
